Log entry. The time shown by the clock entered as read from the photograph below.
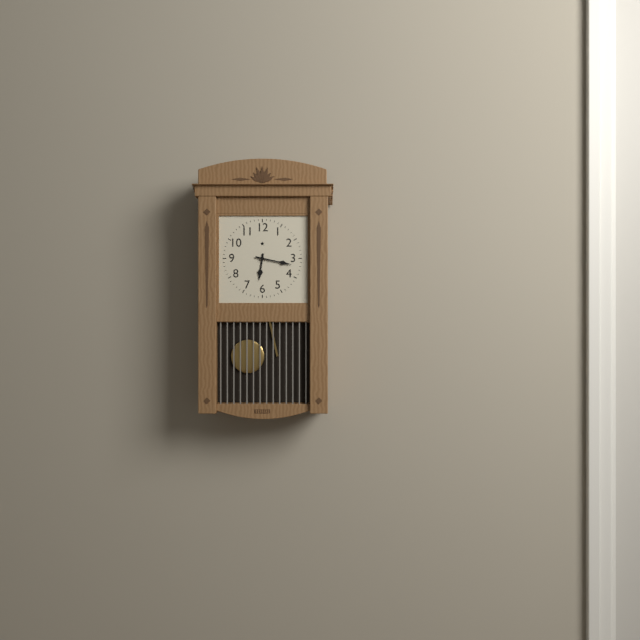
6:17
